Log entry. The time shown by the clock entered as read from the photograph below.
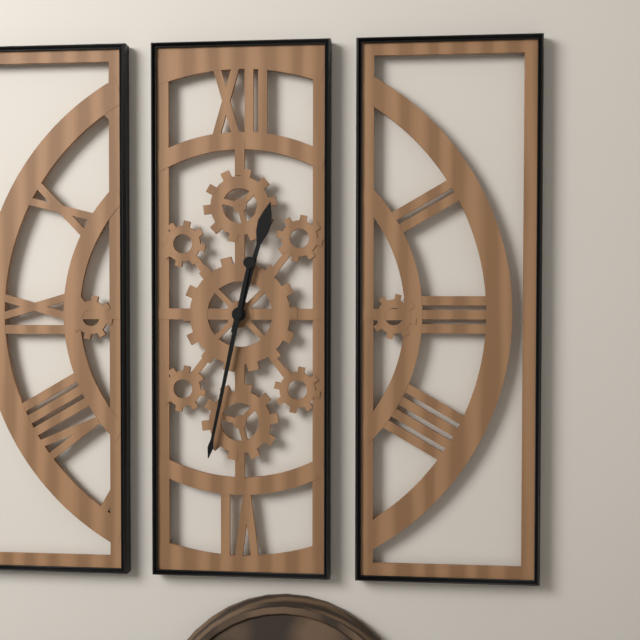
12:32
